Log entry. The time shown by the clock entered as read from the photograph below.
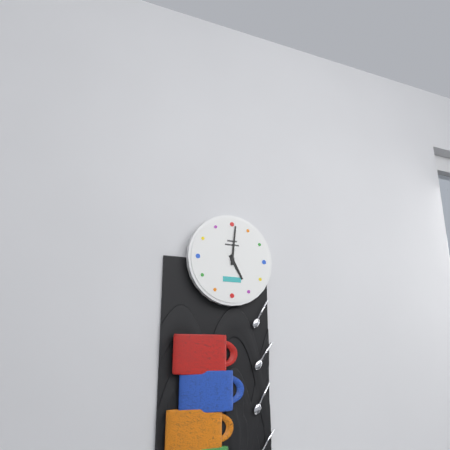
5:01
